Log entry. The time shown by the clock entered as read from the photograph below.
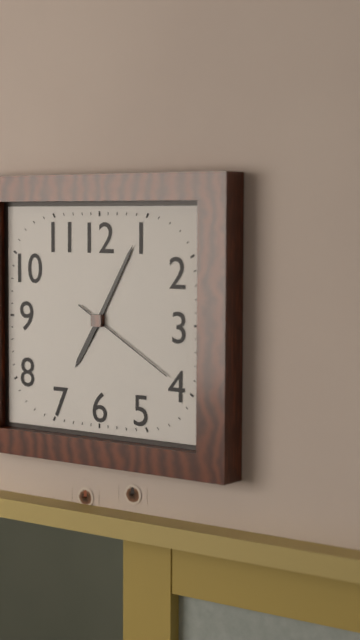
7:05:20
